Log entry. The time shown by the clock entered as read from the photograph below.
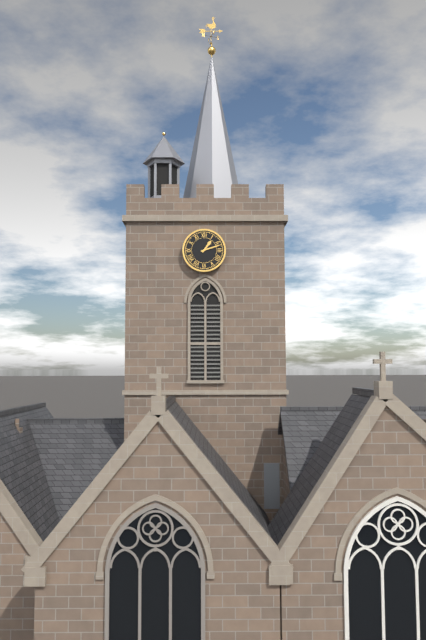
1:12
